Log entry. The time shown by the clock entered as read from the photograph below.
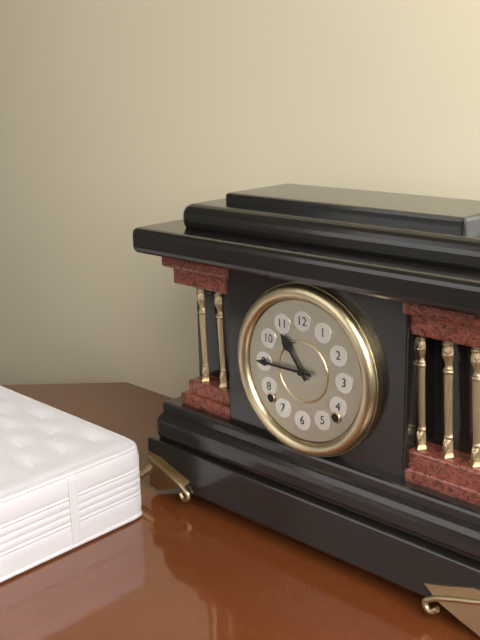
10:45
